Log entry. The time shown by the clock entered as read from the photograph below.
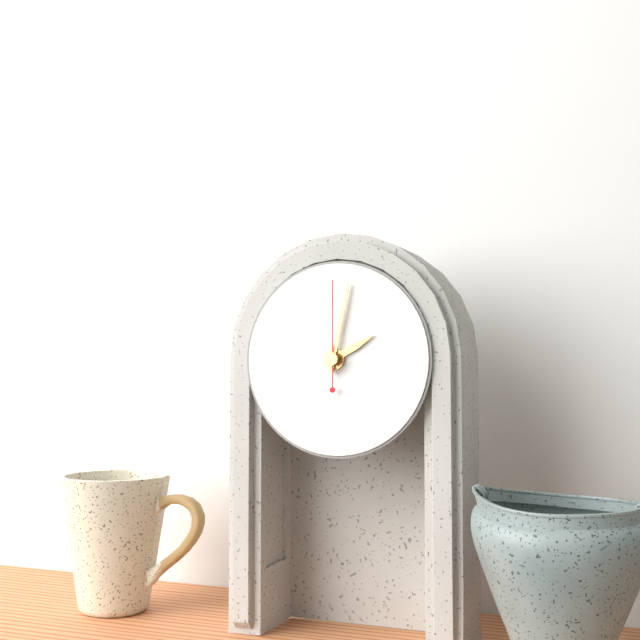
2:02:00
